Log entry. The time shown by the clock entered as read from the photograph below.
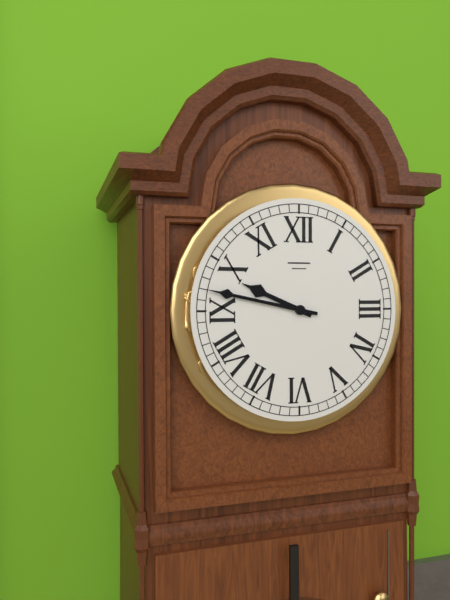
9:47
